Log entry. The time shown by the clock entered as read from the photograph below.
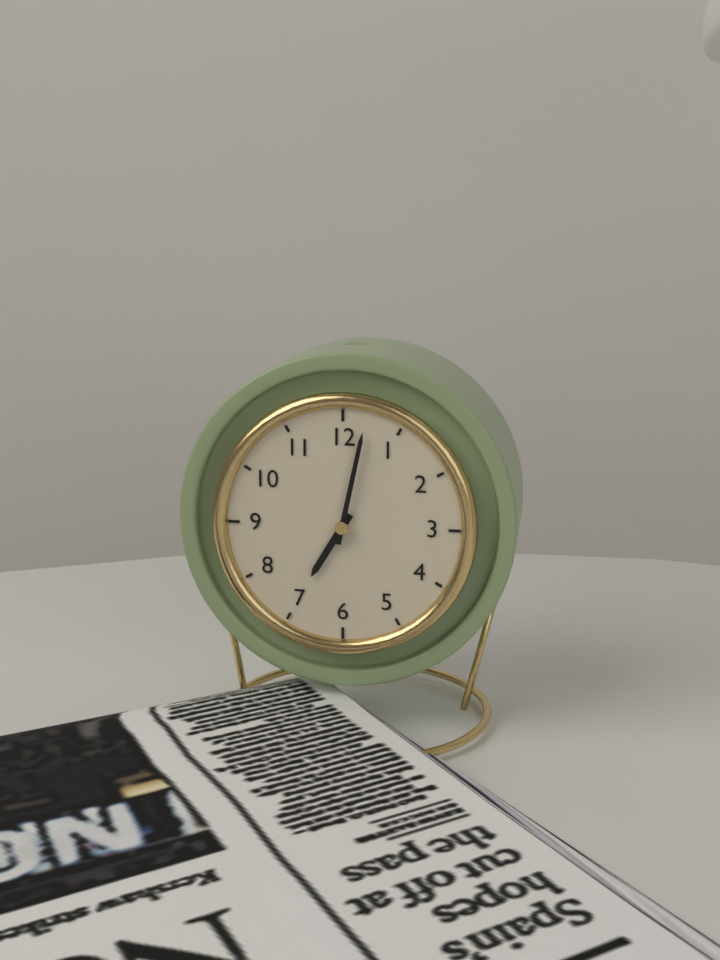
7:02
